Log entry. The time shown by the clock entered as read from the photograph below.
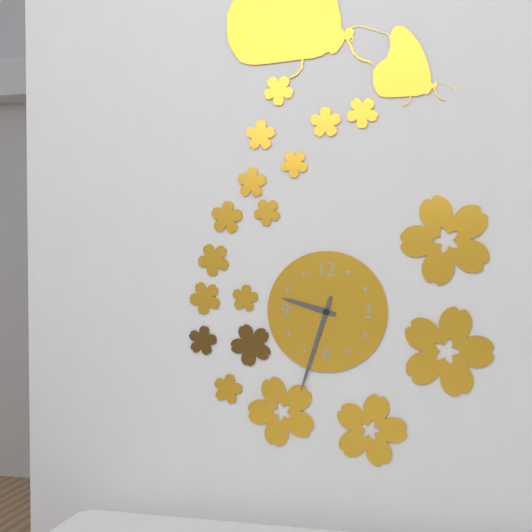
9:33
